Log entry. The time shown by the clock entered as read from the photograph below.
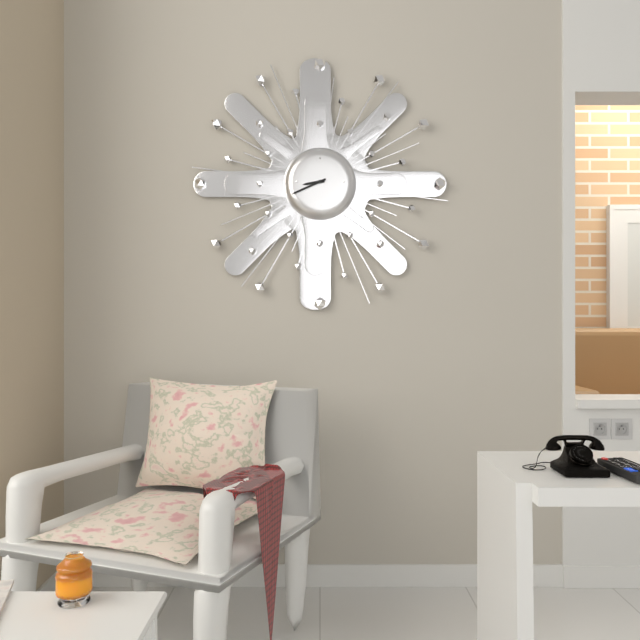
8:41
